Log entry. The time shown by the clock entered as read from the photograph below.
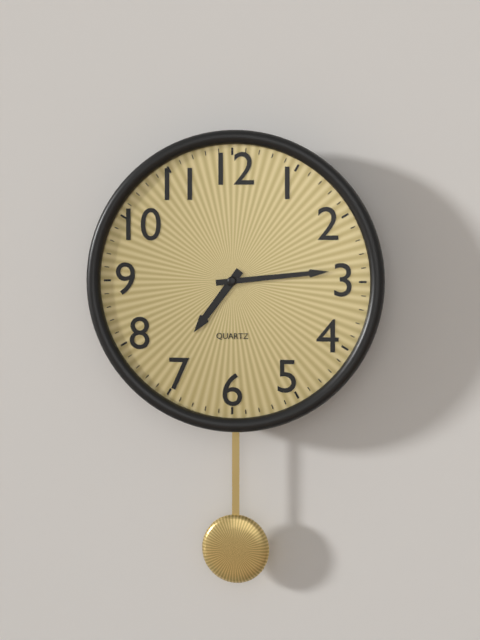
7:14
